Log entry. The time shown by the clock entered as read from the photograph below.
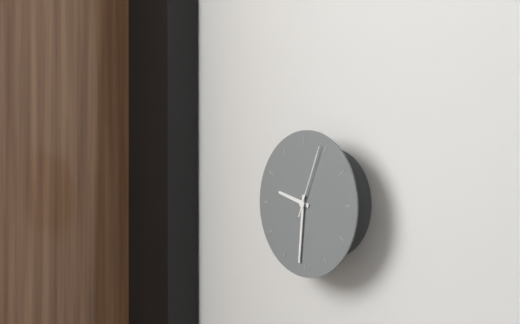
9:31:04
